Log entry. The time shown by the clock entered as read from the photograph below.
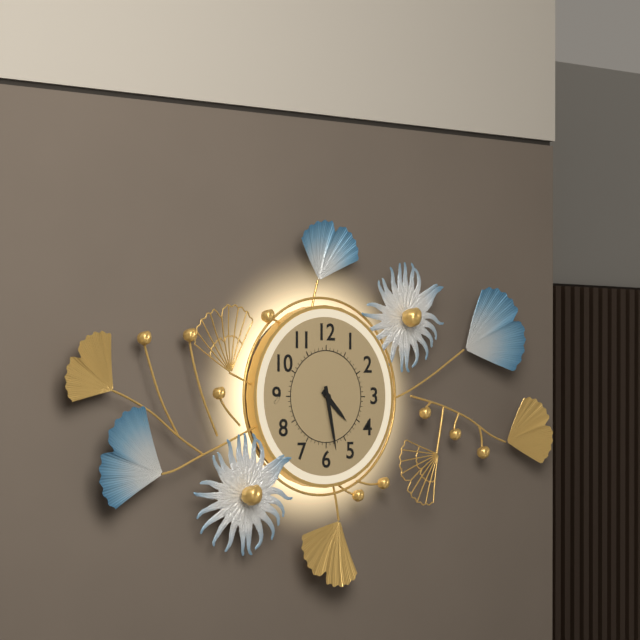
4:28
